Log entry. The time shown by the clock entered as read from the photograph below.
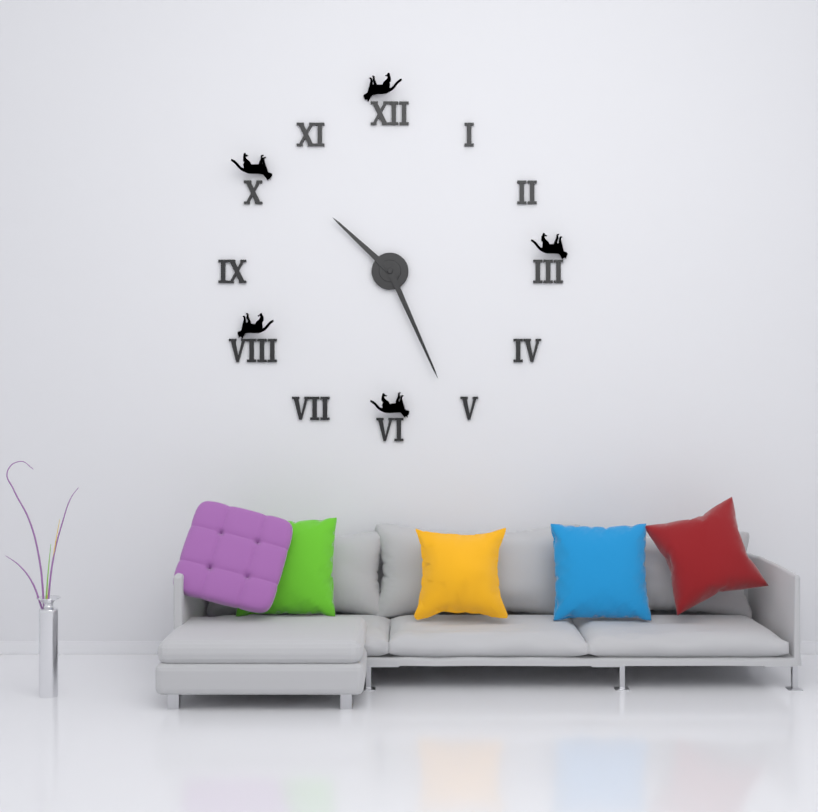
10:26
